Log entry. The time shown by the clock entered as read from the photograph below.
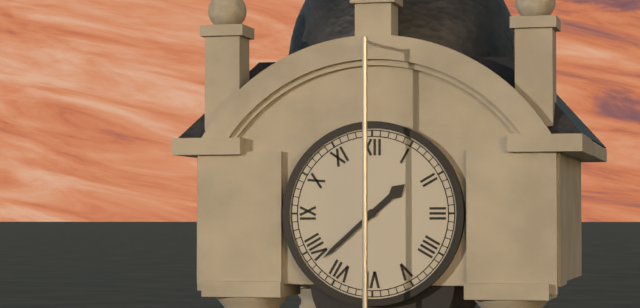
1:38
